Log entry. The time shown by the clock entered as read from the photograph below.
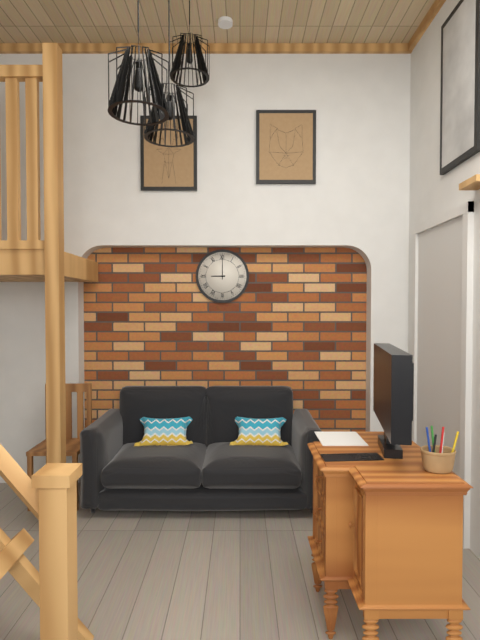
9:00
